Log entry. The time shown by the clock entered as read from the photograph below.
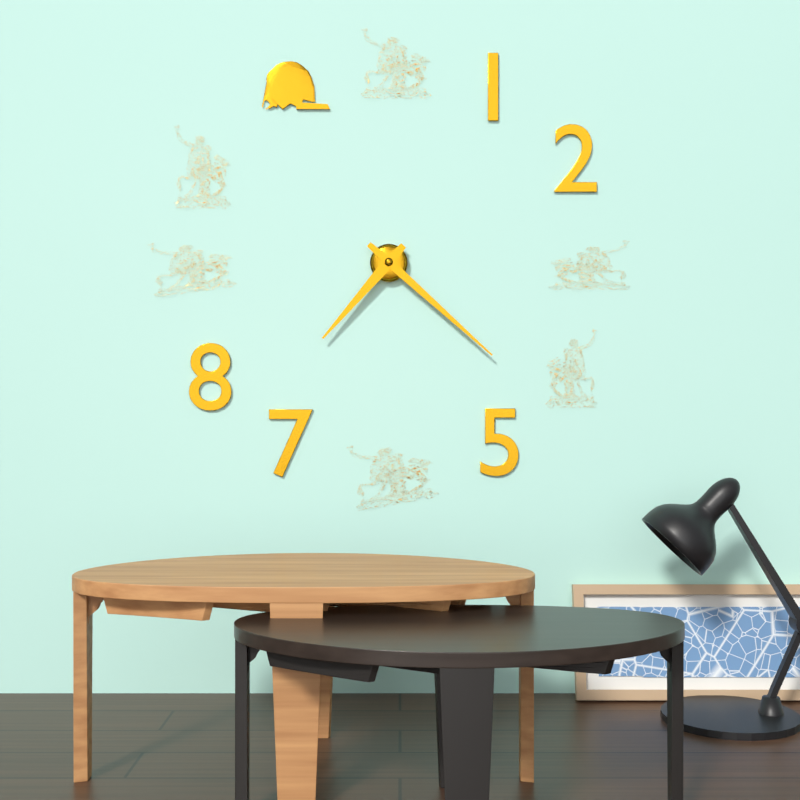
7:22
